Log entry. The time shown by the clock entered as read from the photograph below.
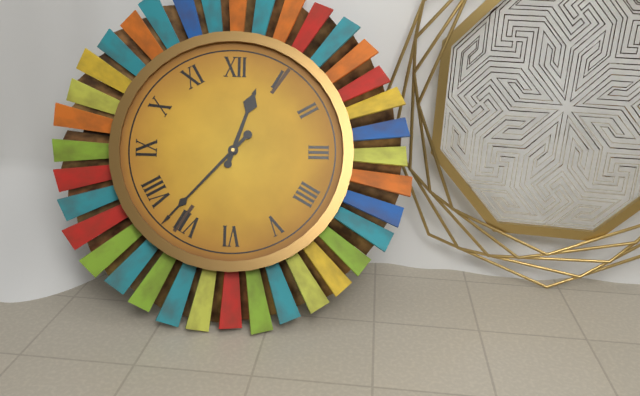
12:37
